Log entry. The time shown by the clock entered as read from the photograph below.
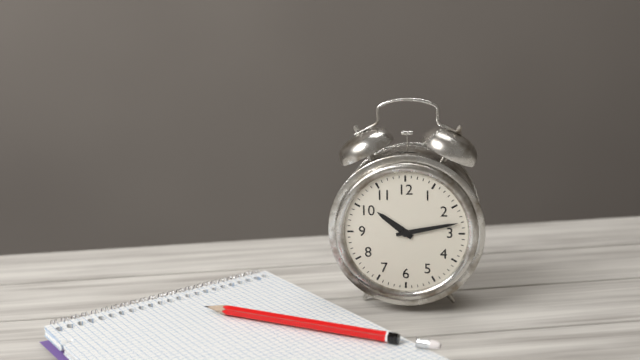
10:13
